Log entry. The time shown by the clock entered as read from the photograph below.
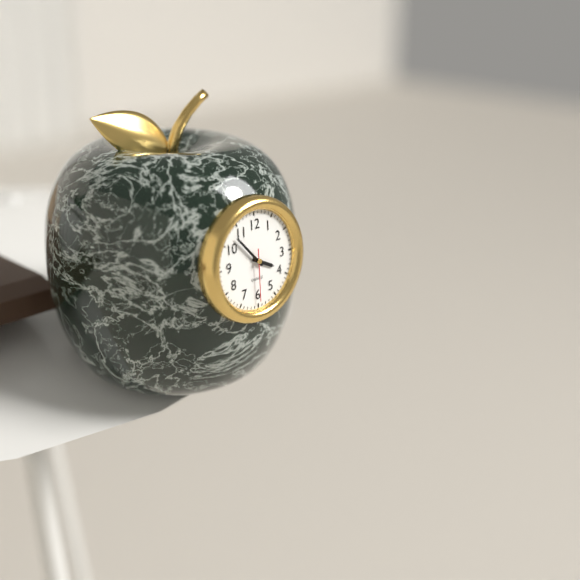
3:53:30
